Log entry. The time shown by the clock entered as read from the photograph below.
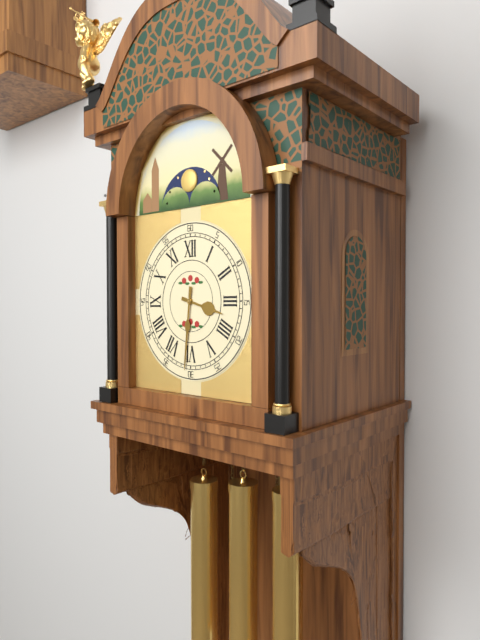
3:31
